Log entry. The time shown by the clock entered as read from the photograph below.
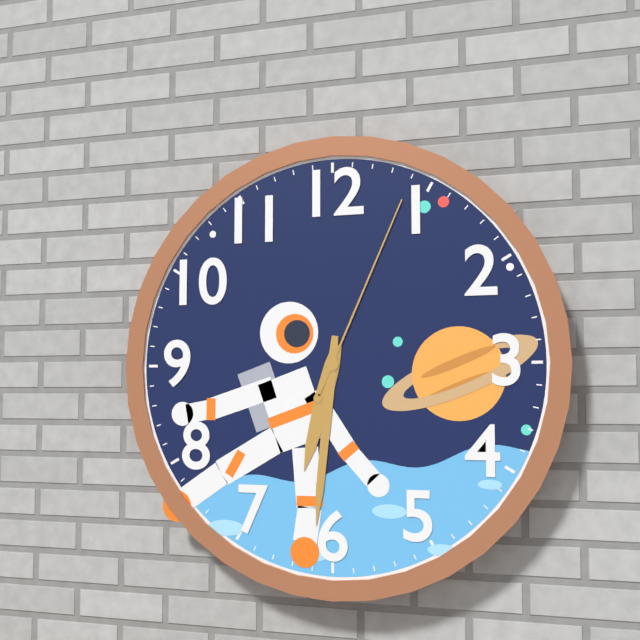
6:31:04
